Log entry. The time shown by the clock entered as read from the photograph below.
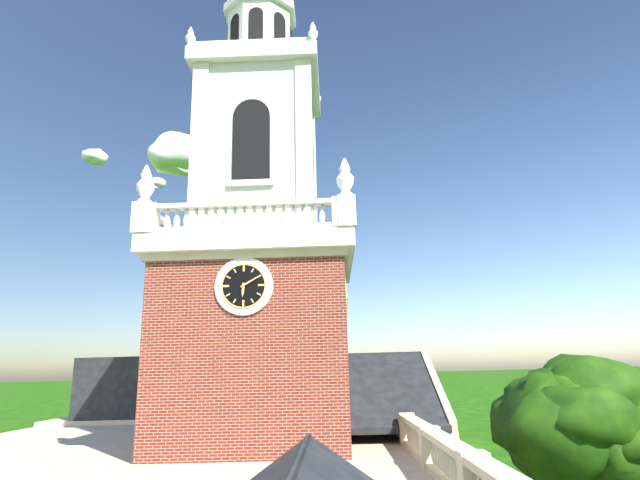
6:10
